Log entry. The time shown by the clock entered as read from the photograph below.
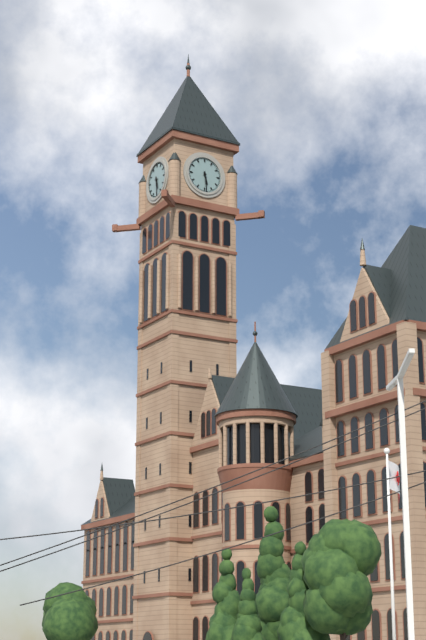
5:29
